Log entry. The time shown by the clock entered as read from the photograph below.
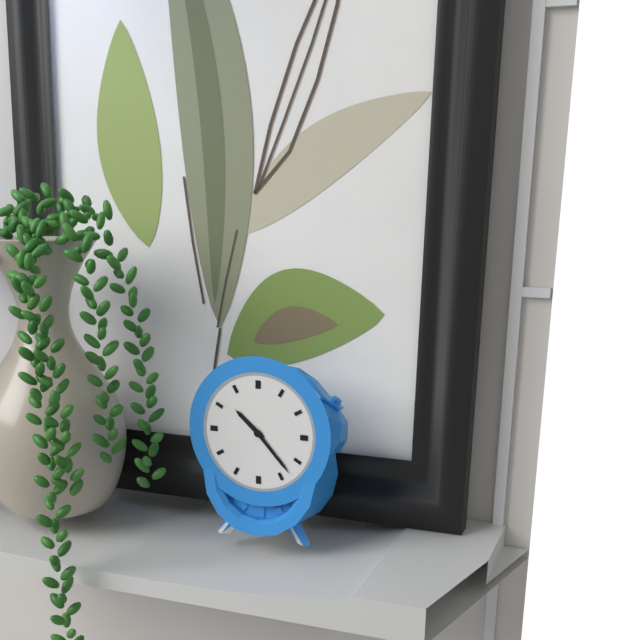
10:23
